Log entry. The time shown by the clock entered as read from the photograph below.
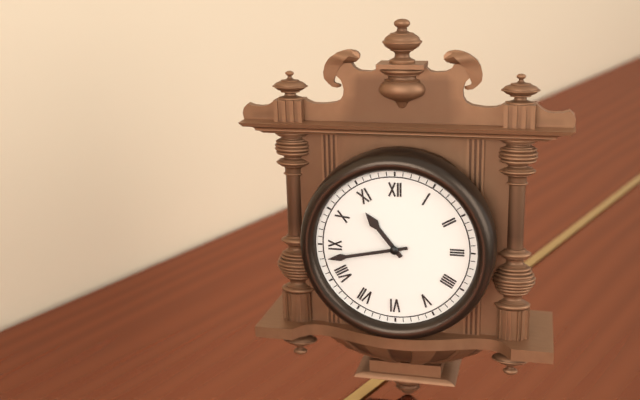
10:43
